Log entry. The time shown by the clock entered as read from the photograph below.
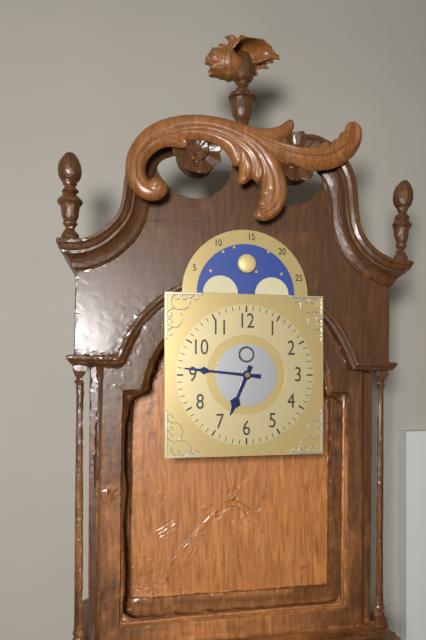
6:46
